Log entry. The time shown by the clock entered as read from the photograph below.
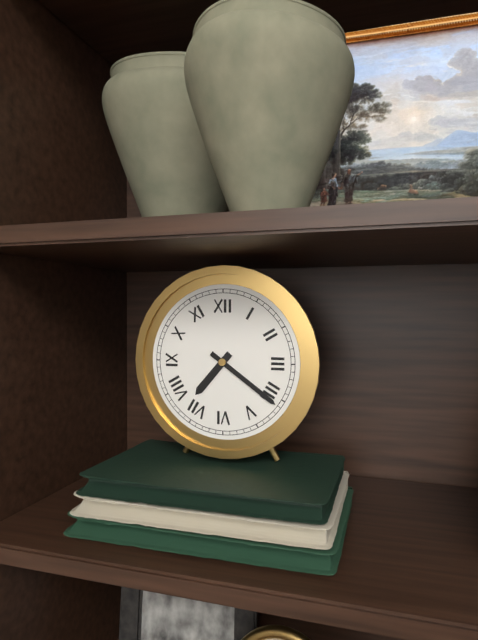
7:21
